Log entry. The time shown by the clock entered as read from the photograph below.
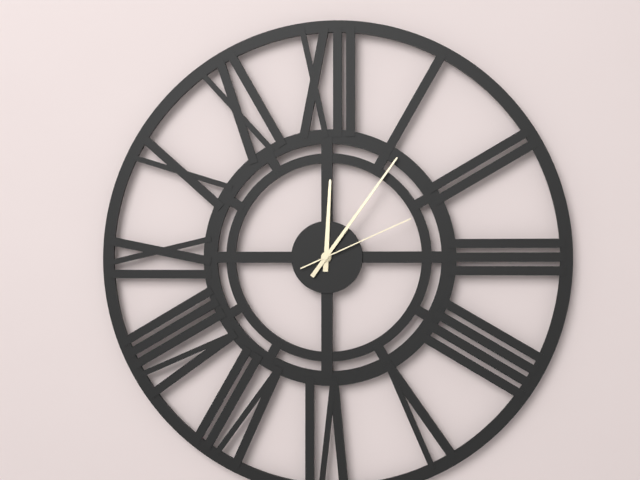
12:06:11
